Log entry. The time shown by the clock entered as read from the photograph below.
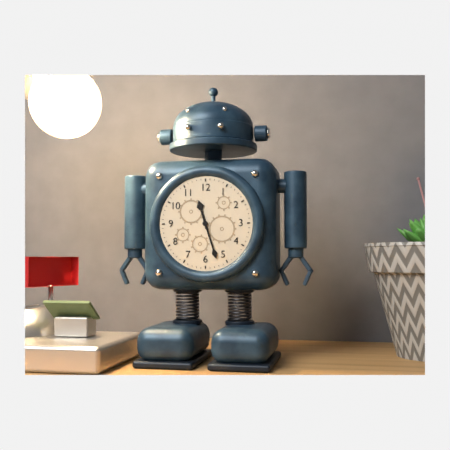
11:27
